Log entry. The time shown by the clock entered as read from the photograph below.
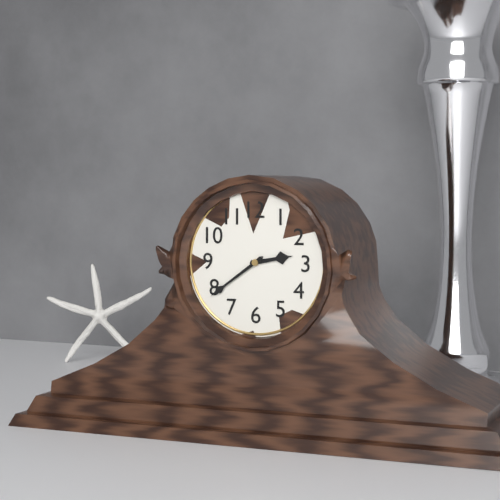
2:39
